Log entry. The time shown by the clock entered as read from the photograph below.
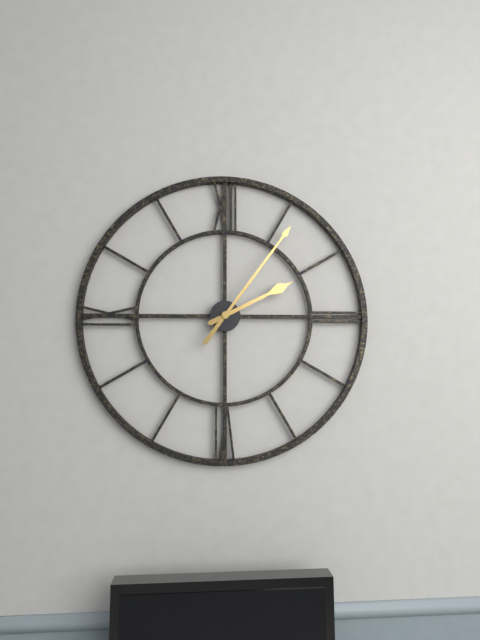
2:06
